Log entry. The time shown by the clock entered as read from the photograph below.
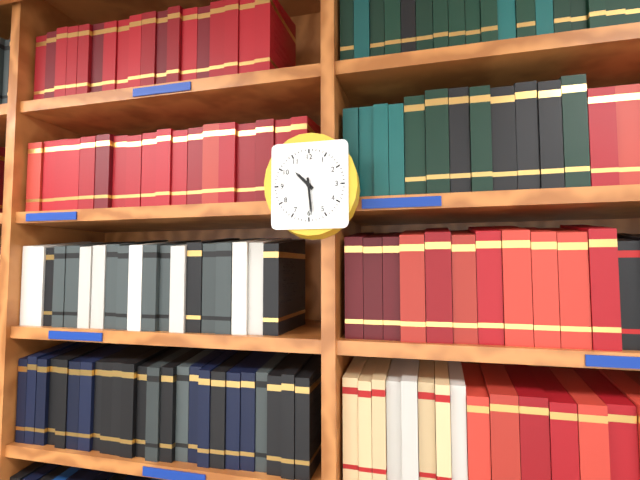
10:29
